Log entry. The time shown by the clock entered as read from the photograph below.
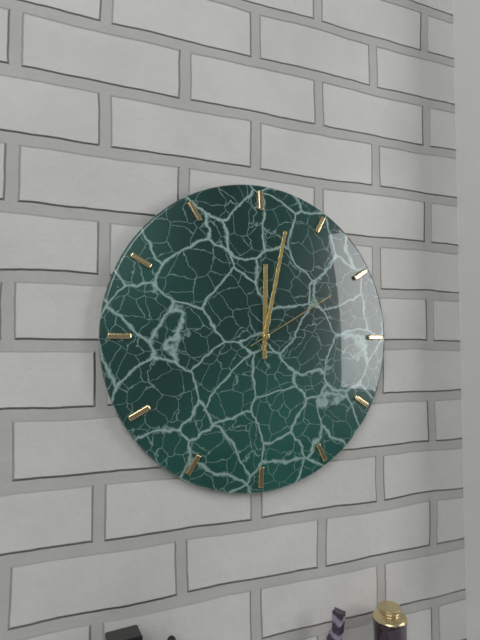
12:02:10
